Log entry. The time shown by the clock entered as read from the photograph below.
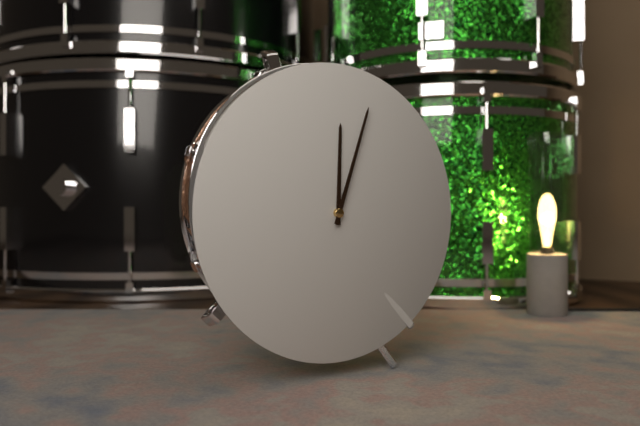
12:03
